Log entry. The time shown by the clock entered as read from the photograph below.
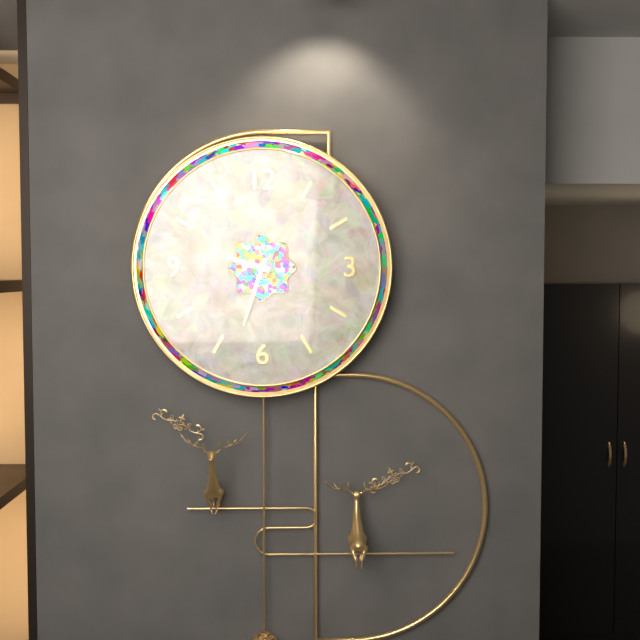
9:33
